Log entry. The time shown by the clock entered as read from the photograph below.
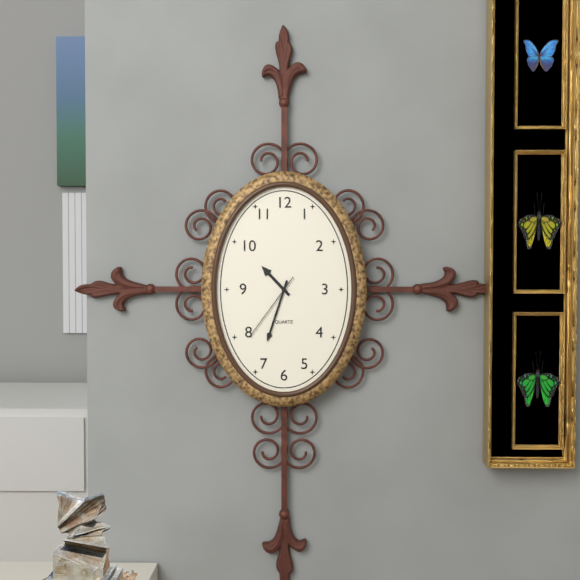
10:33:36
